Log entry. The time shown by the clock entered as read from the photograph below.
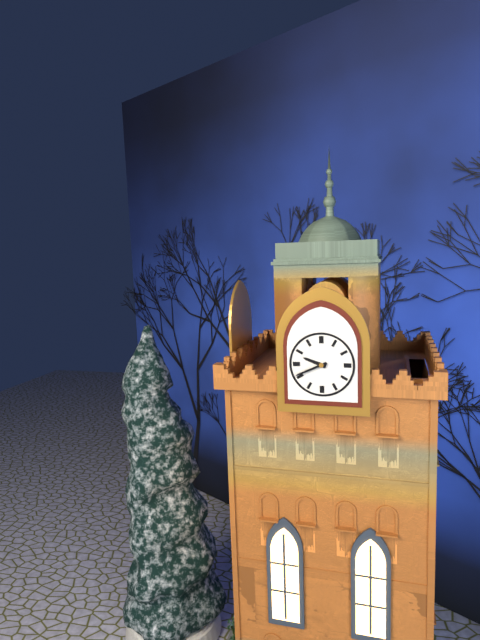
9:41
